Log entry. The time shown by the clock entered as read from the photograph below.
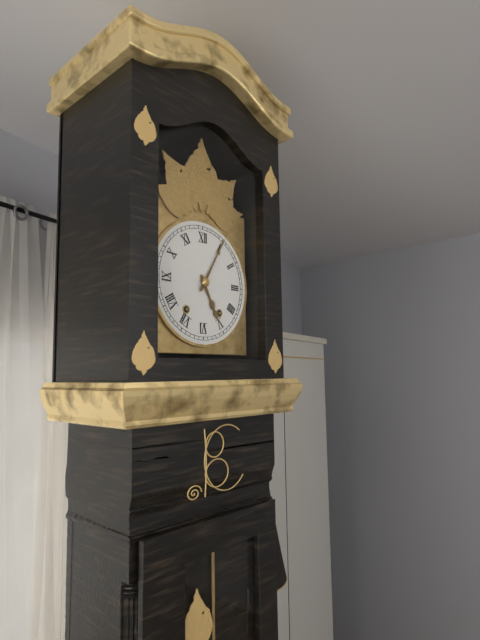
5:05
